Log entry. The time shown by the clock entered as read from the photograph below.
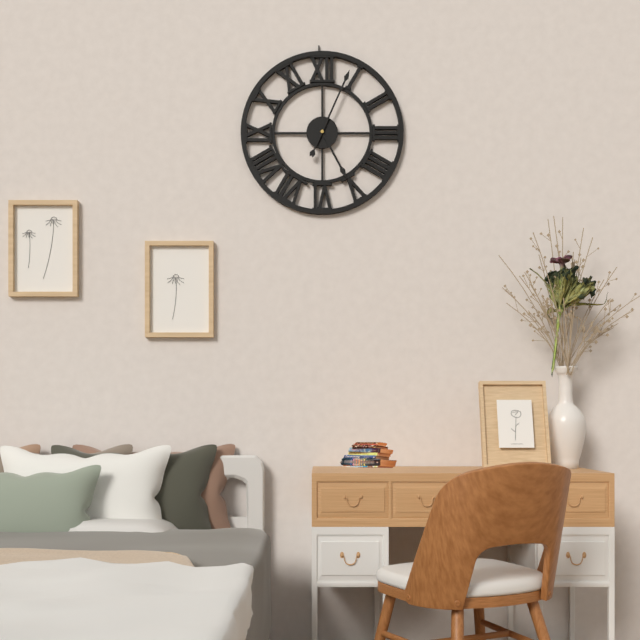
5:04
